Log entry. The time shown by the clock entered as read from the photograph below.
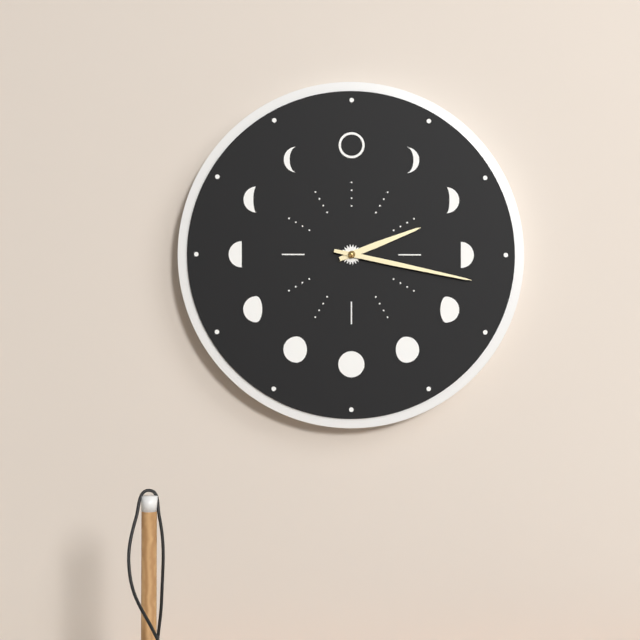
2:17
